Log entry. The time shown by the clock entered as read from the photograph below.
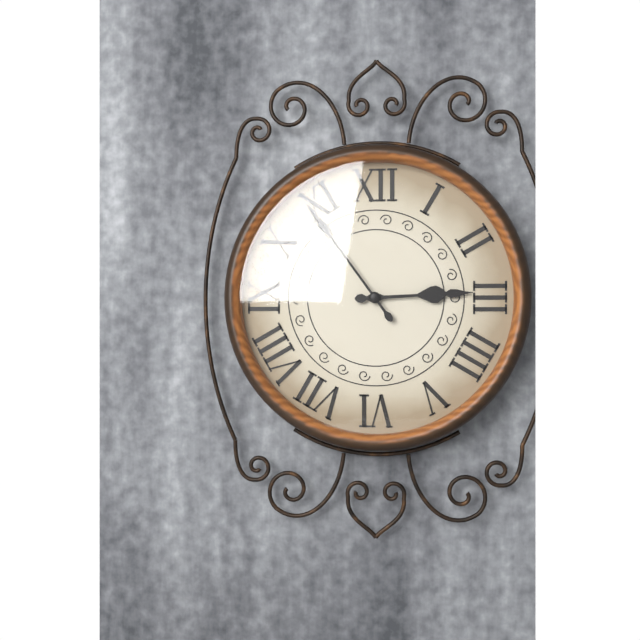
2:54
